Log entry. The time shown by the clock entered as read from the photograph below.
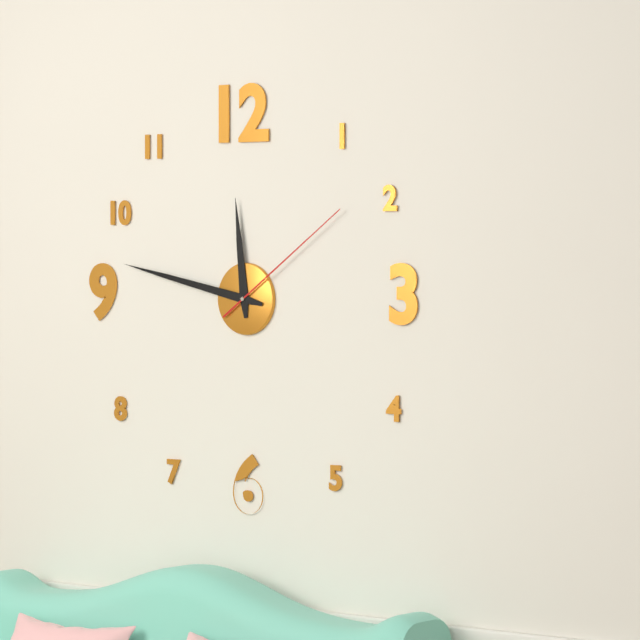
11:47:09
